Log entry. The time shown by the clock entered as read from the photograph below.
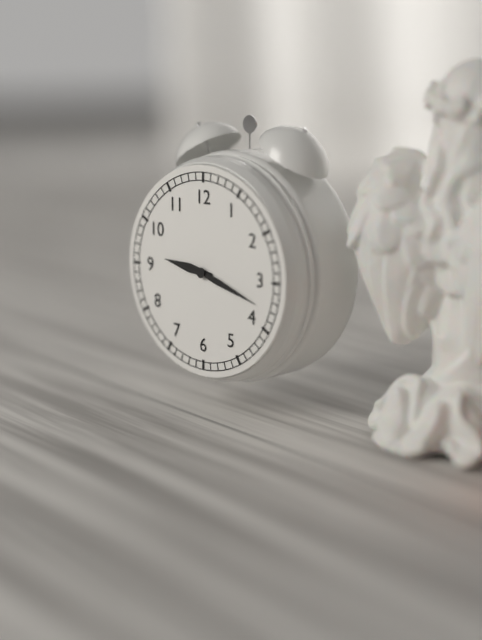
9:18
